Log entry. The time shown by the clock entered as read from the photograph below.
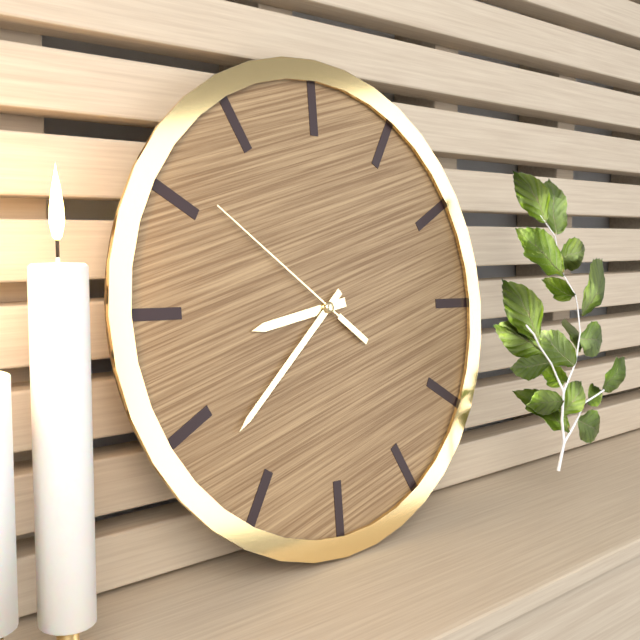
8:38:51
